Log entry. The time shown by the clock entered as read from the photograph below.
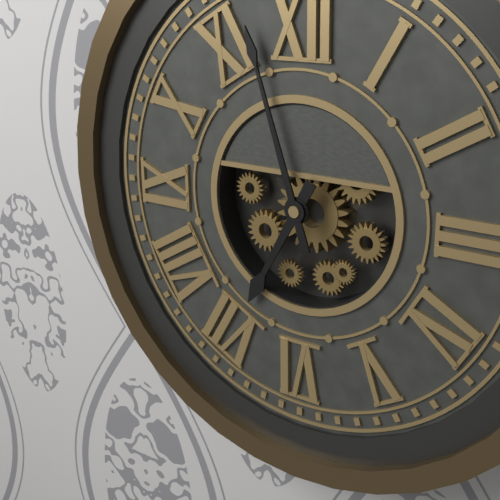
6:57
